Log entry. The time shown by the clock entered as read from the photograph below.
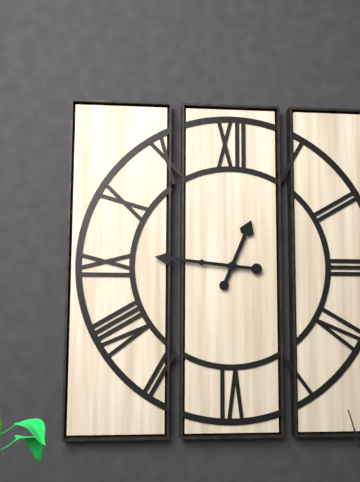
12:46
